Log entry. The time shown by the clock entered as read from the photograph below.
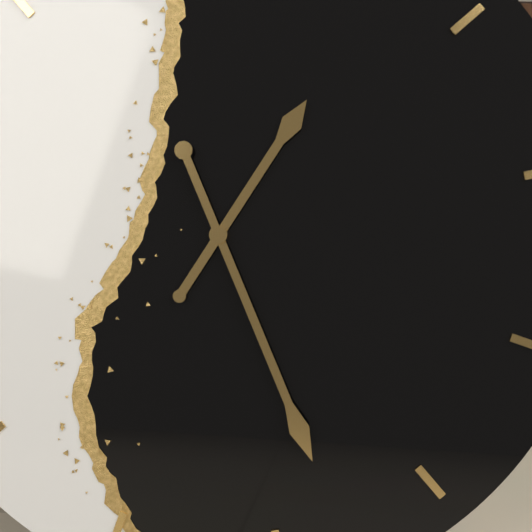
1:28
